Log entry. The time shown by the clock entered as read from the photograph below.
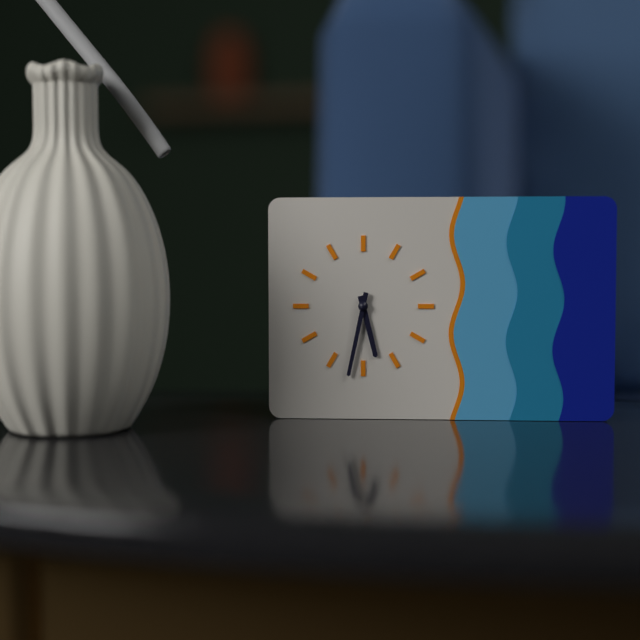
5:32
